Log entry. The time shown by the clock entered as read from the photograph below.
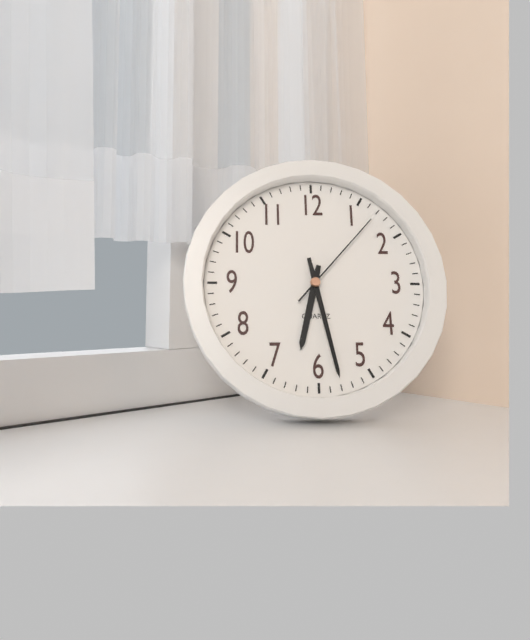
6:28:07
